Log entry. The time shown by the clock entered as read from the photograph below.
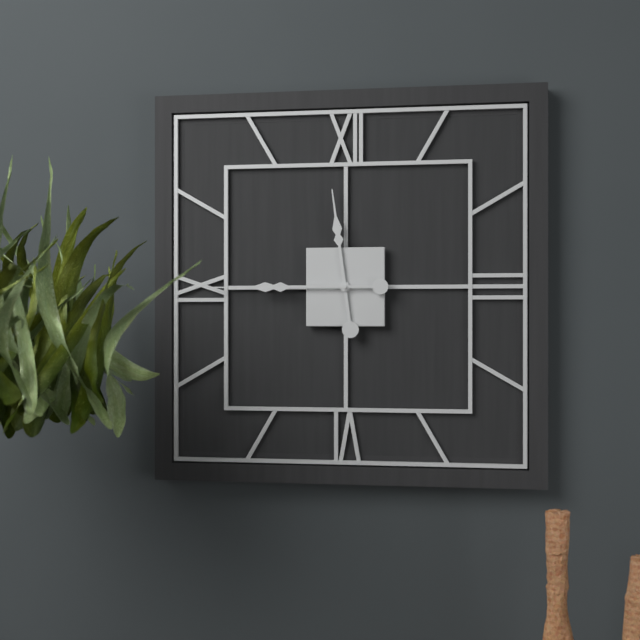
11:45
